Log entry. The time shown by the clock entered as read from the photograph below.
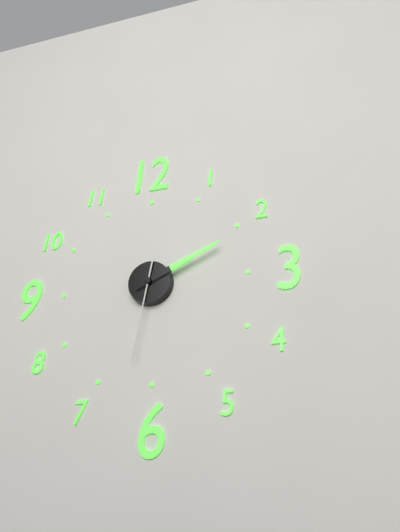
2:11:32
